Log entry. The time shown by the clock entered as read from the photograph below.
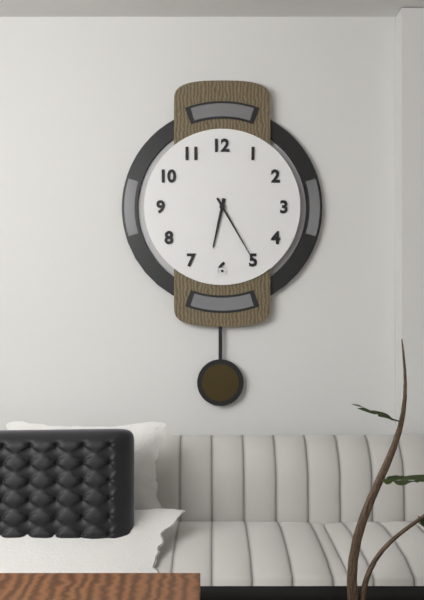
6:25
